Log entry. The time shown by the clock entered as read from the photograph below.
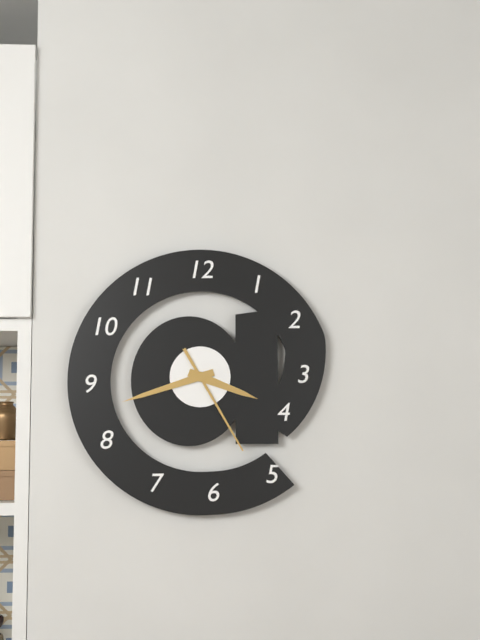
3:42:25
